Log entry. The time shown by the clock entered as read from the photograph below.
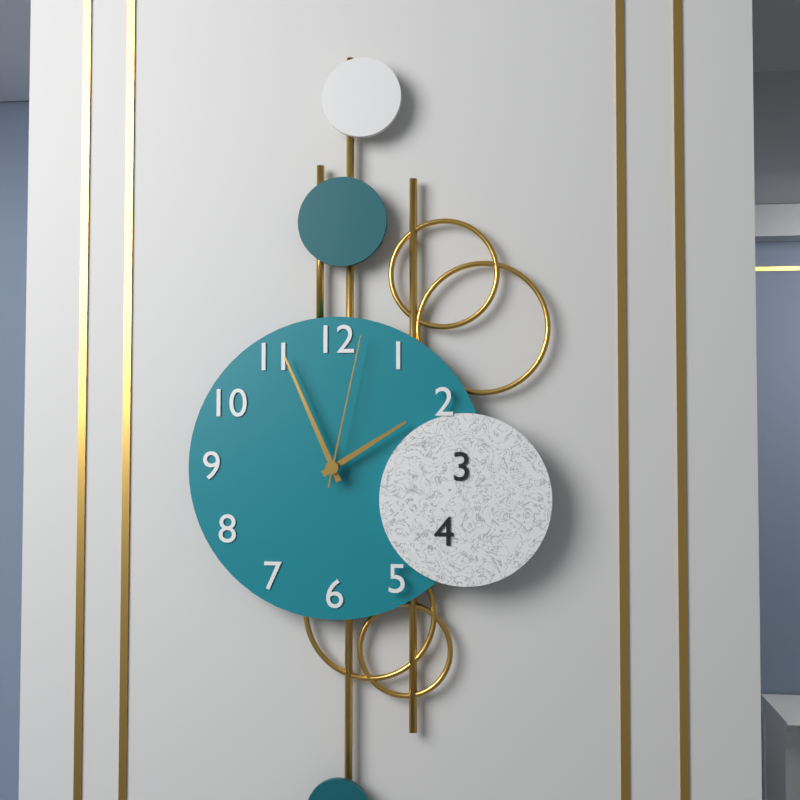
1:56:02
